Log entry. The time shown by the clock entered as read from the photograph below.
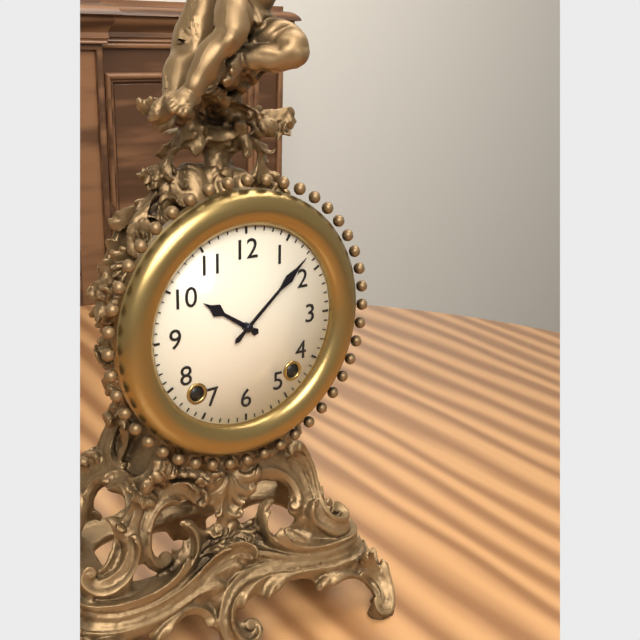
10:08
